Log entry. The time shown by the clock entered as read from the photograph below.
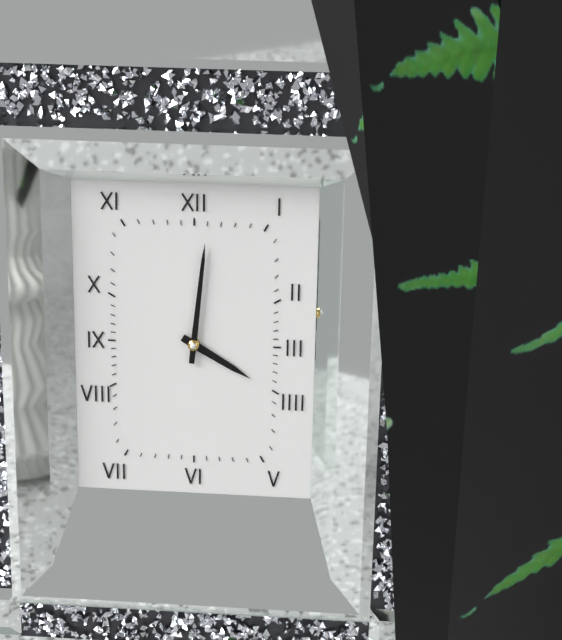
4:01
